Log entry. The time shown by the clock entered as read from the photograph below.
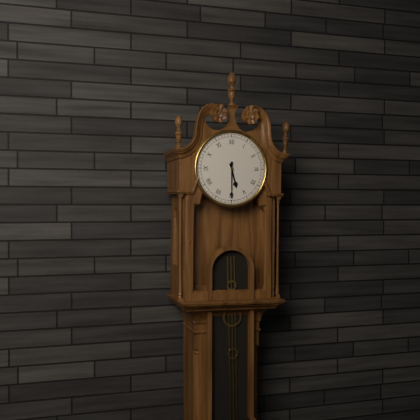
5:30
